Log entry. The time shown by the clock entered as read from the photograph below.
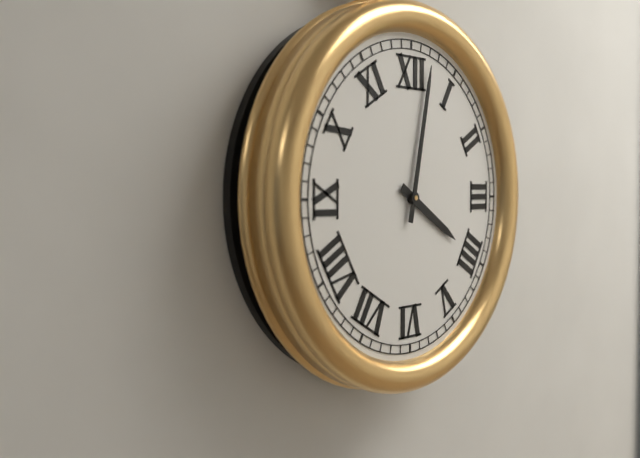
4:02
